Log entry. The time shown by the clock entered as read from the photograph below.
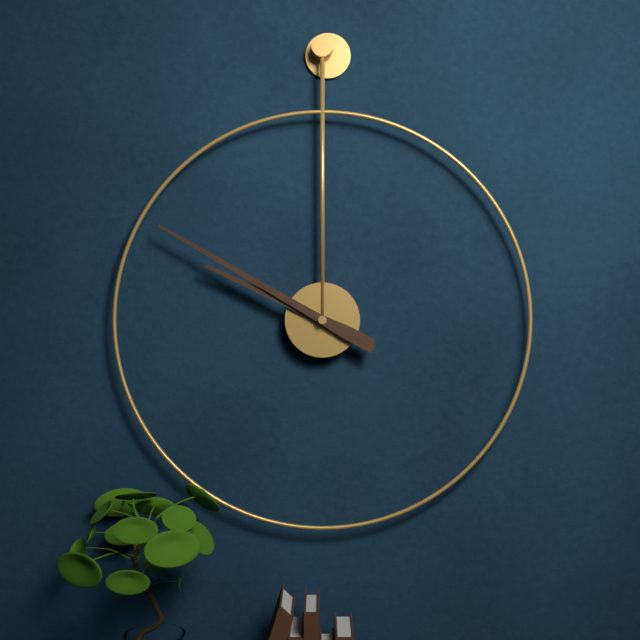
9:50
